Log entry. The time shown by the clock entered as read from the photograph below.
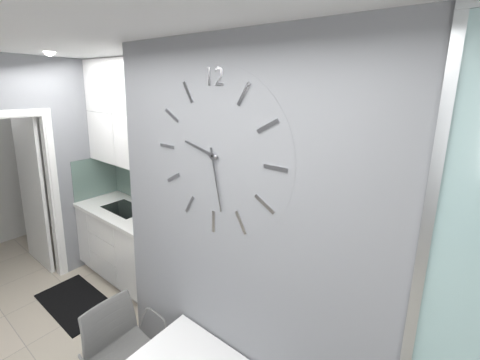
9:28
